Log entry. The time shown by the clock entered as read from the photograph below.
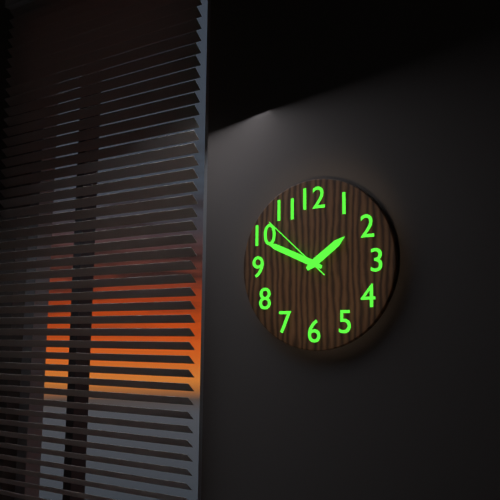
1:49:52
